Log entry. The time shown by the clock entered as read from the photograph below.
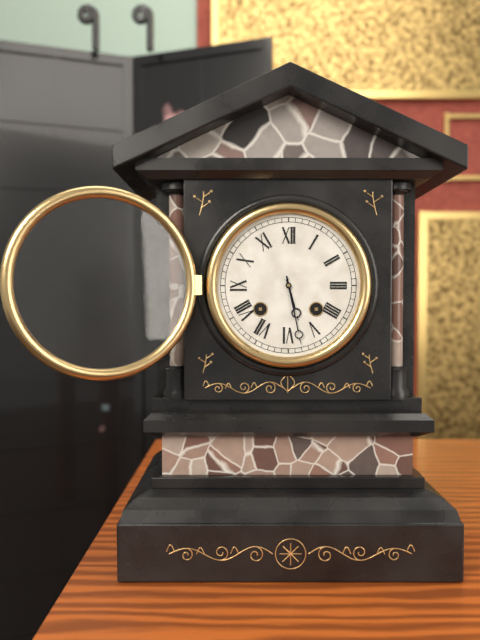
5:28
